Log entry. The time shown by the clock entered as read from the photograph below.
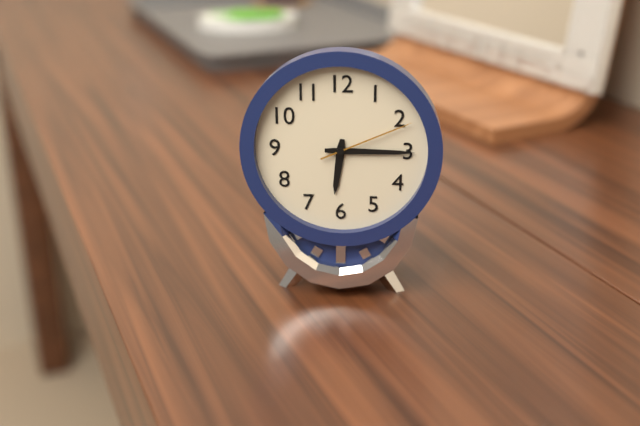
6:15:11
